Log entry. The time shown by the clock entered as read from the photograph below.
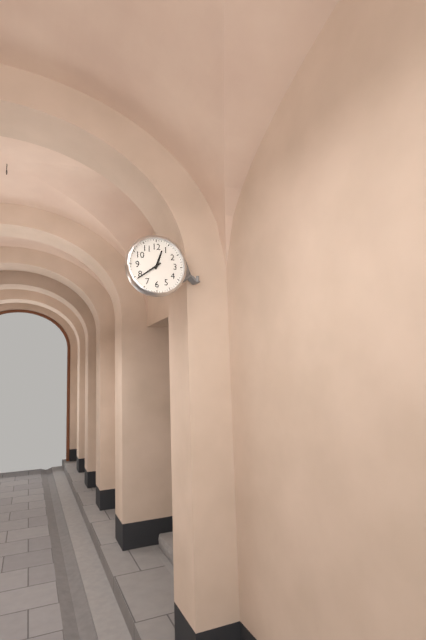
12:39
